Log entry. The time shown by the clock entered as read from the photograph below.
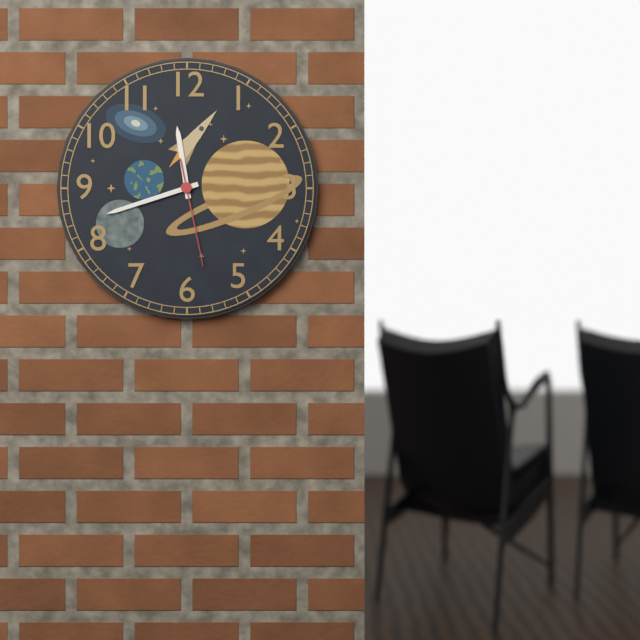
11:42:28
